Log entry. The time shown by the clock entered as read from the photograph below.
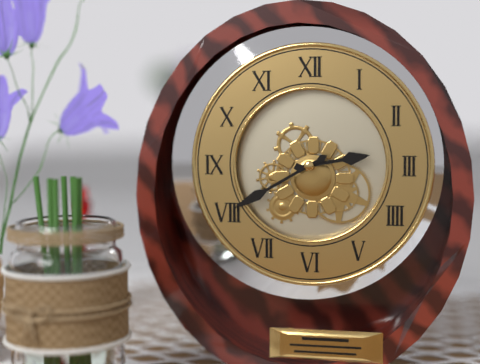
2:40
